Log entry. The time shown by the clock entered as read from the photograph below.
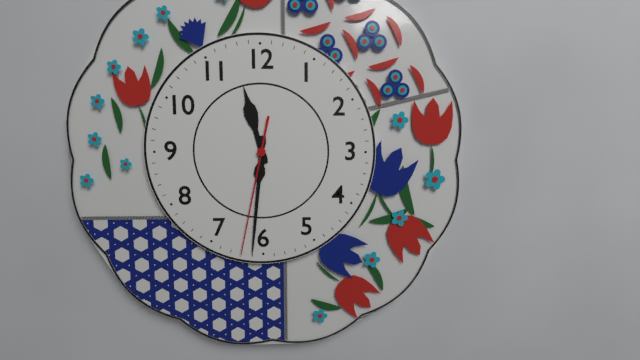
11:31:32
